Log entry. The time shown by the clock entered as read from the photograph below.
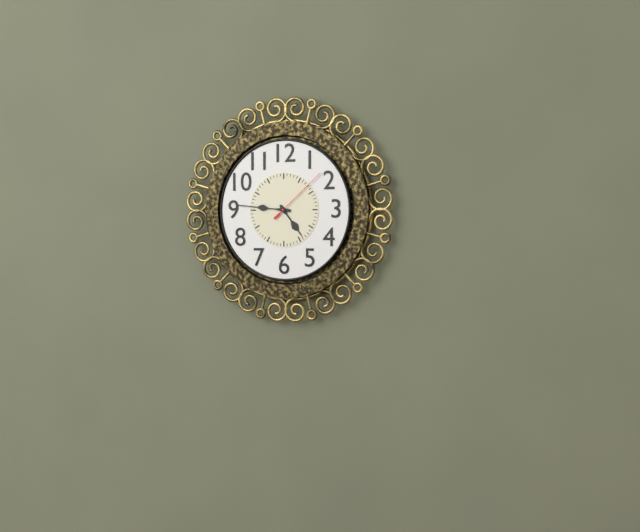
4:46:08
